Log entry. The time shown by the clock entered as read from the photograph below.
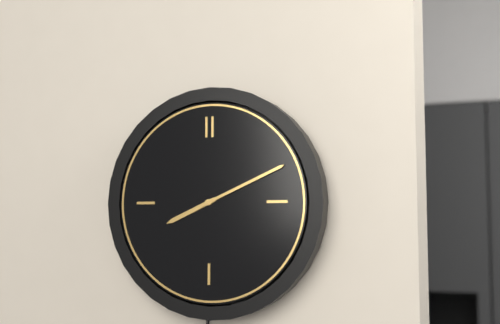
8:11
